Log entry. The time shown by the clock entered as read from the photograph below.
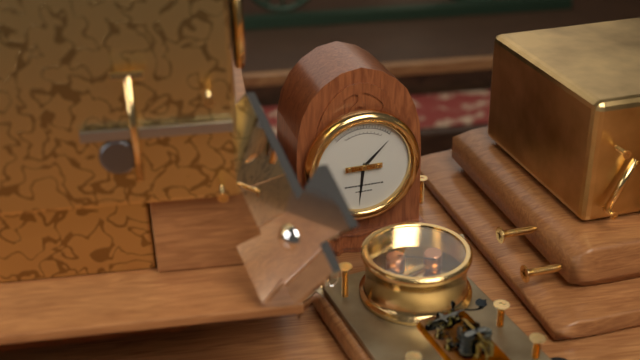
1:31
